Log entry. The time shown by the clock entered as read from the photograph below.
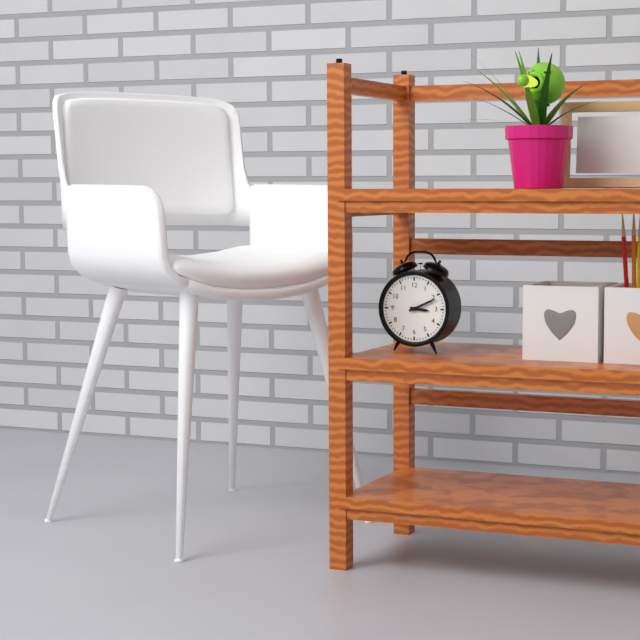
3:11
